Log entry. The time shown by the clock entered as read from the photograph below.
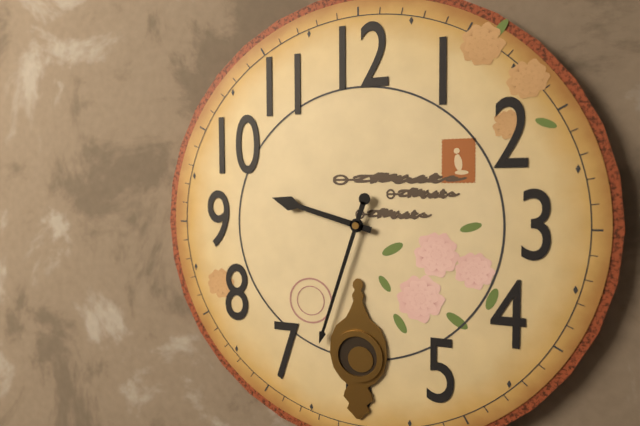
9:33
